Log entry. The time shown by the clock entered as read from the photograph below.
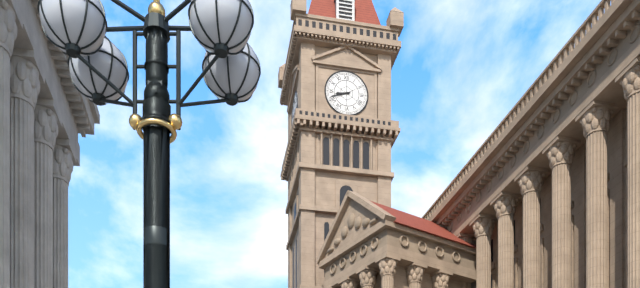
8:42
